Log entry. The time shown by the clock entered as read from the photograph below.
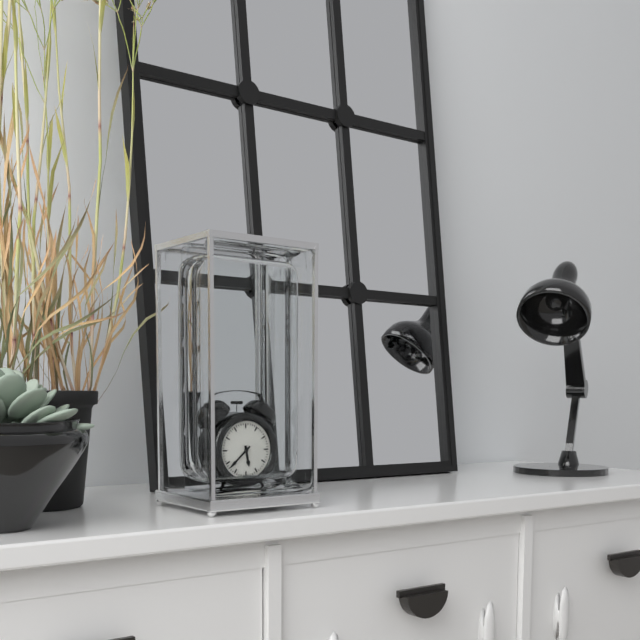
5:38
